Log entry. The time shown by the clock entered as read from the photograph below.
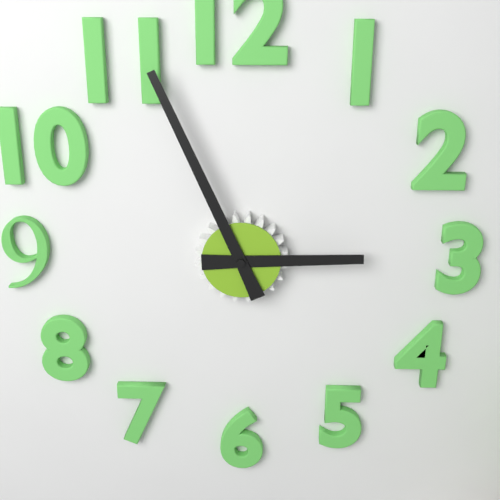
2:56
